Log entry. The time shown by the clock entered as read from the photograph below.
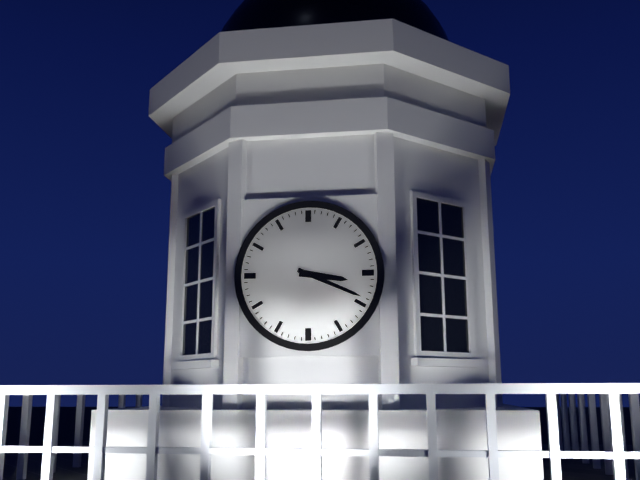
3:19
